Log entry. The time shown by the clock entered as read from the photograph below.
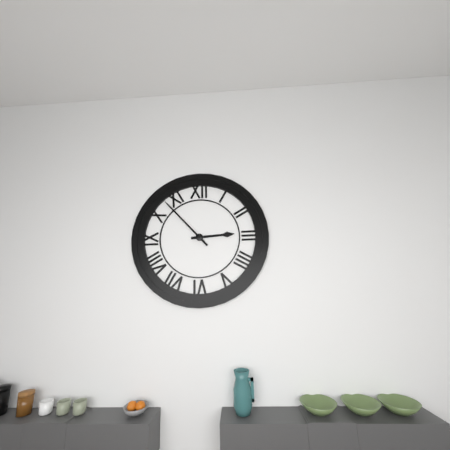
2:53
